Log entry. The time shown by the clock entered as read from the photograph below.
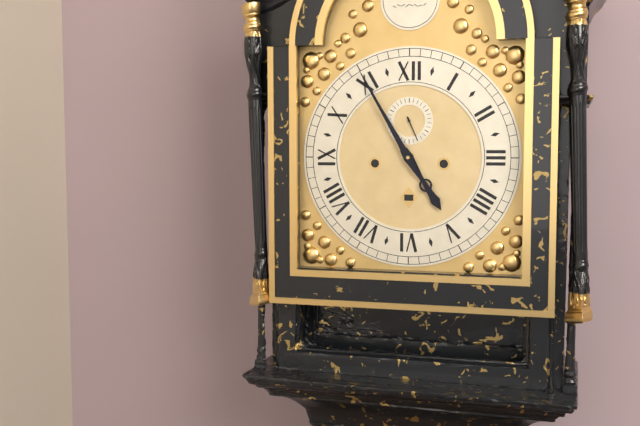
4:55
